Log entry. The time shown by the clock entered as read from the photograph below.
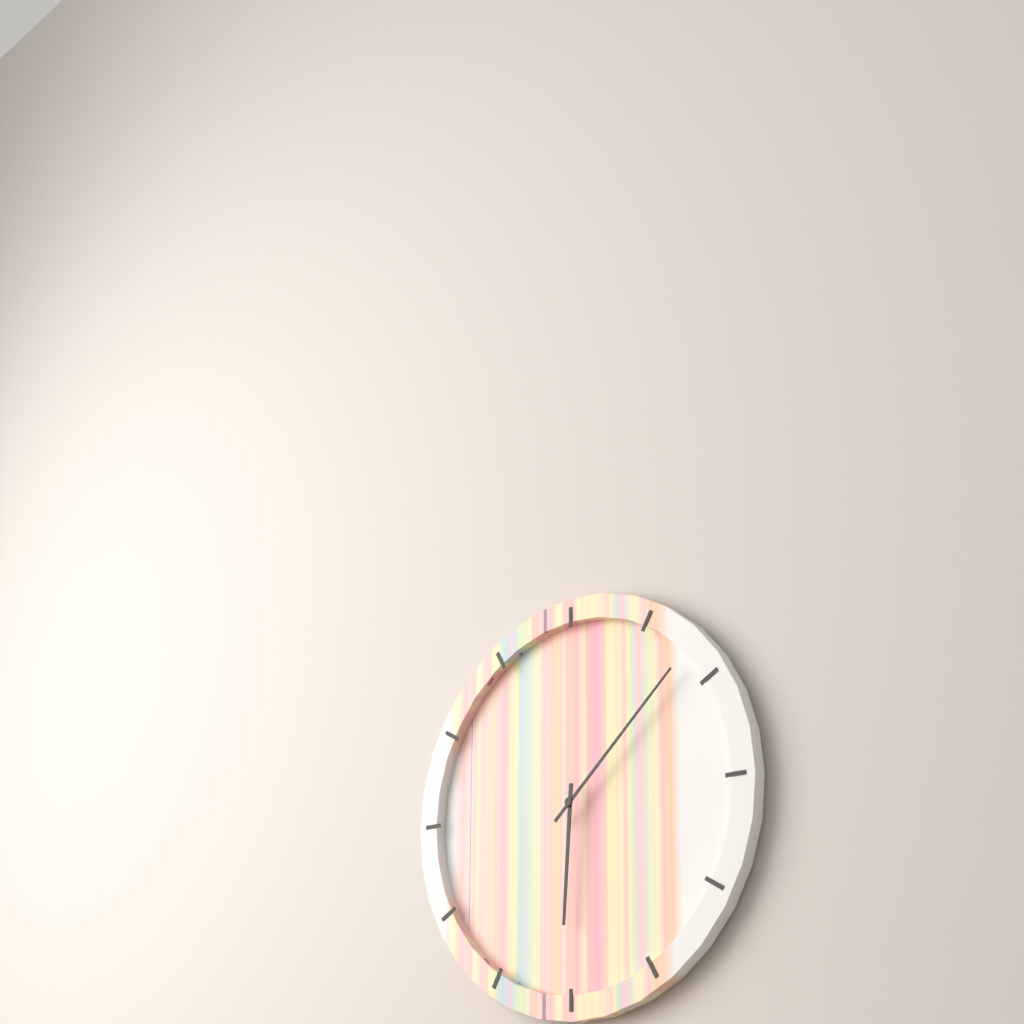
6:08
